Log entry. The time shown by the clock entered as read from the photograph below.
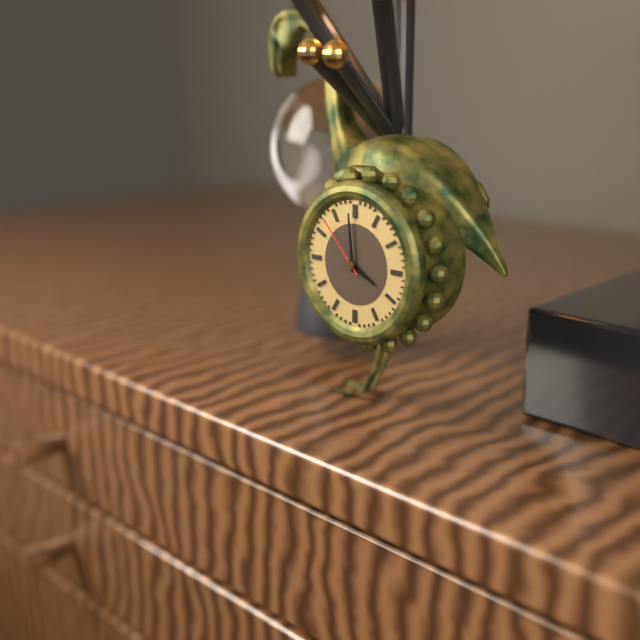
3:59:53
